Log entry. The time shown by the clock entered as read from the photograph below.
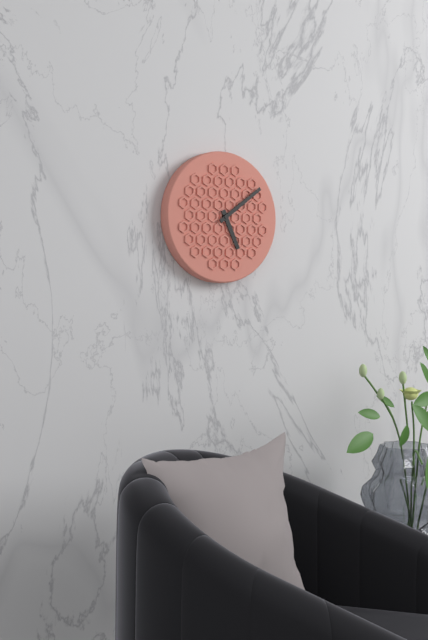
5:09
